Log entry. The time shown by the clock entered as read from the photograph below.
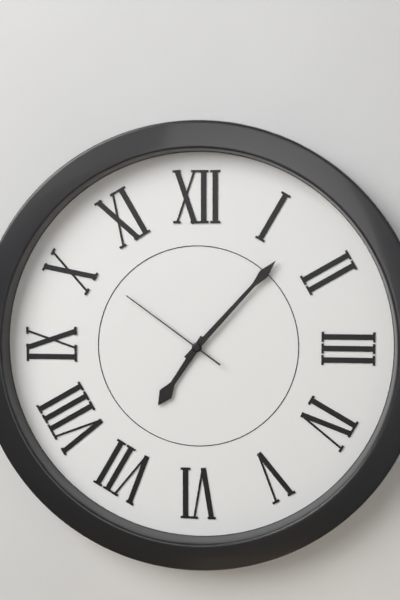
7:07:51
